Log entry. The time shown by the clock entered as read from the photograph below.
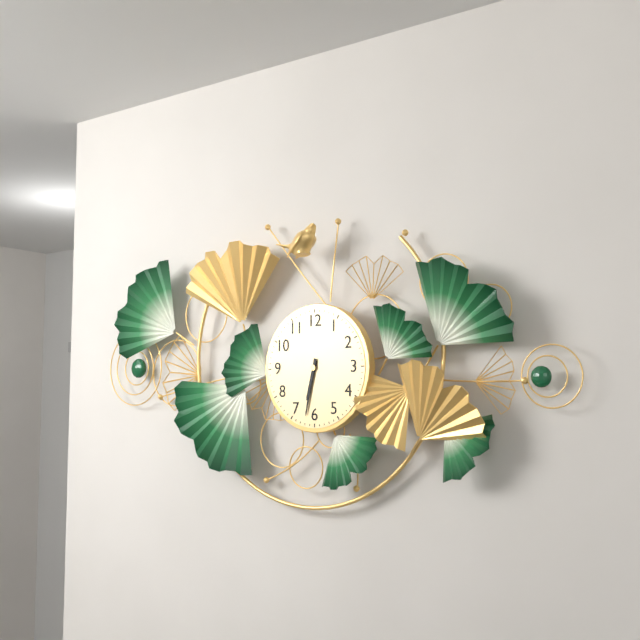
6:32
